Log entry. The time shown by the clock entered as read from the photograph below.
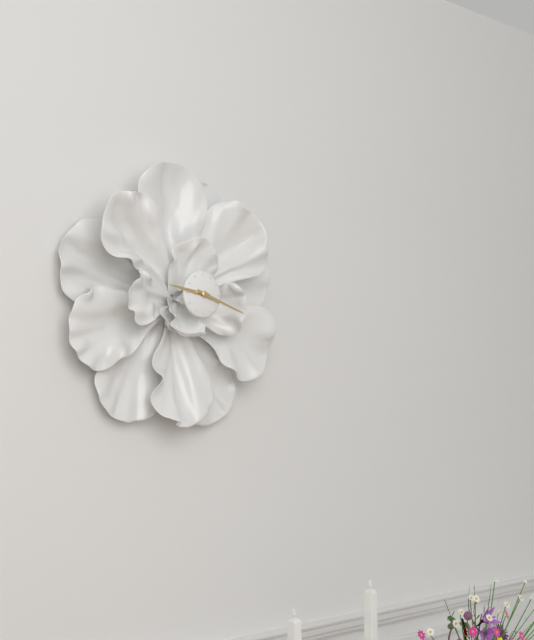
9:18
